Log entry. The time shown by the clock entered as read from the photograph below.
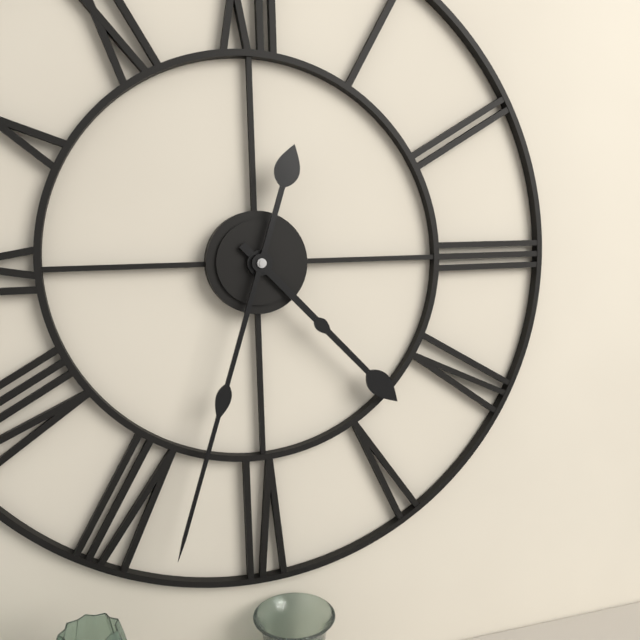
4:33
